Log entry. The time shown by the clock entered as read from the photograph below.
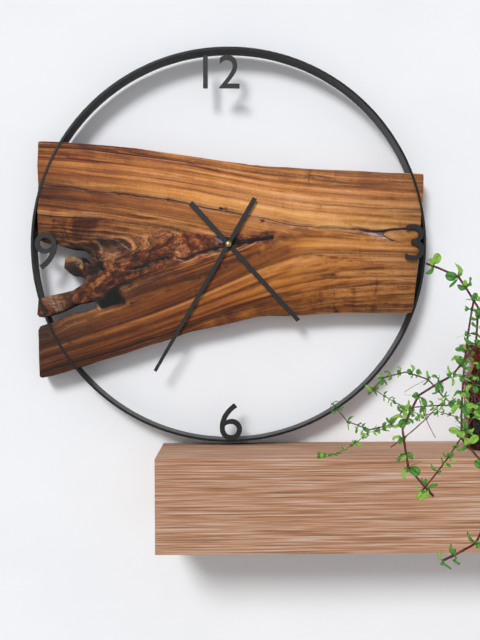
4:35
